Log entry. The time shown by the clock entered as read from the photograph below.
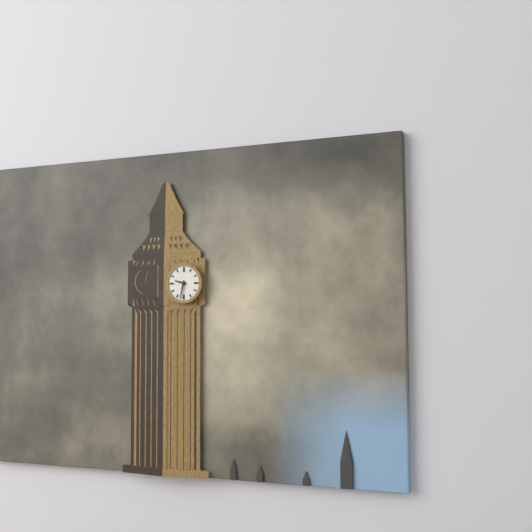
9:32
